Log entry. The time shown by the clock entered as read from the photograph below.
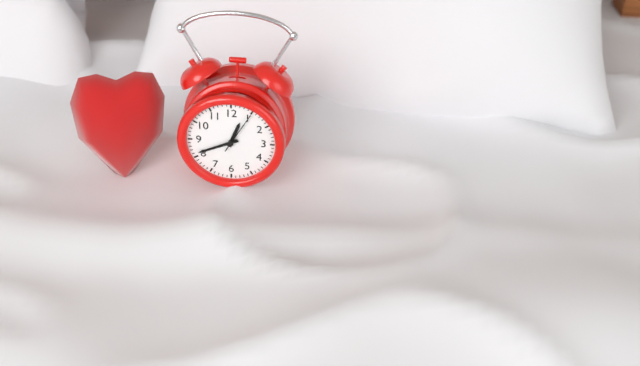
12:41
